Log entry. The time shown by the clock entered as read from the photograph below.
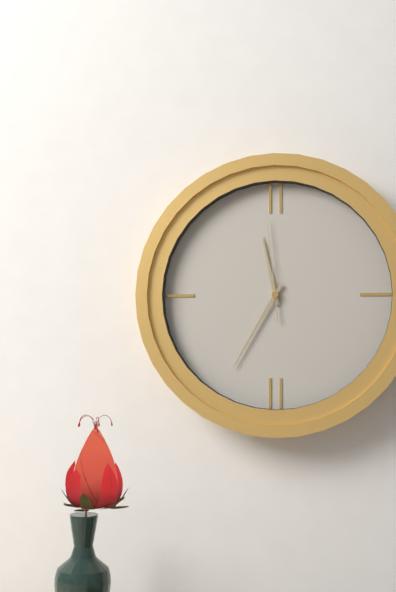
11:35:59
